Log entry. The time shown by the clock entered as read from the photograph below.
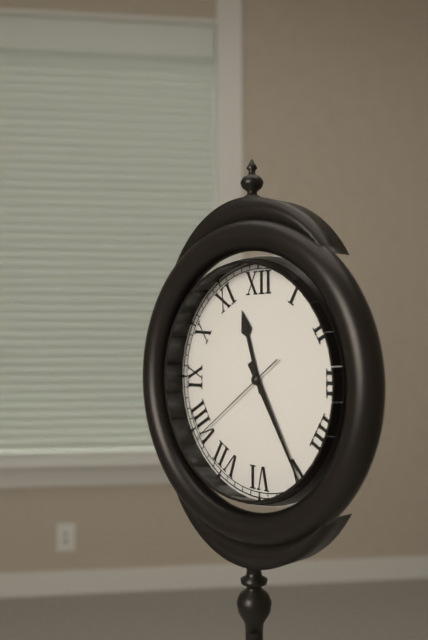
11:25:39
